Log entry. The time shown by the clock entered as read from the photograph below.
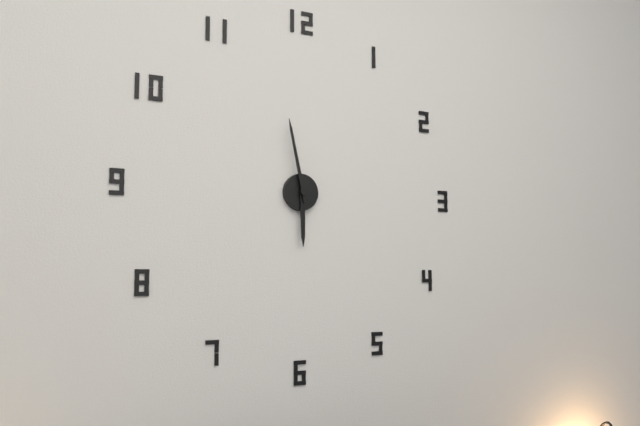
5:58
